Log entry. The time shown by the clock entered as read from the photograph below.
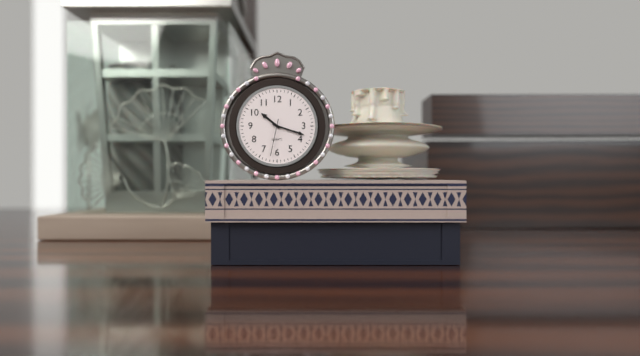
10:18
